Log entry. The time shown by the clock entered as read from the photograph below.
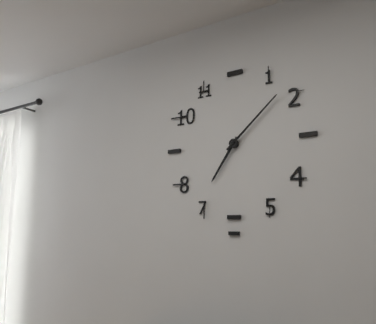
7:08
